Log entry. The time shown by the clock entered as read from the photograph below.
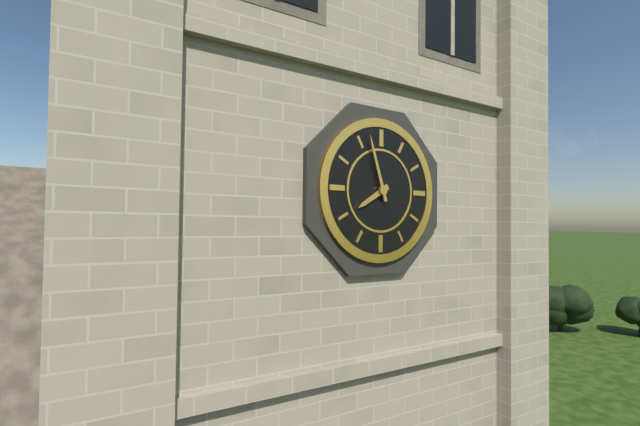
7:57
